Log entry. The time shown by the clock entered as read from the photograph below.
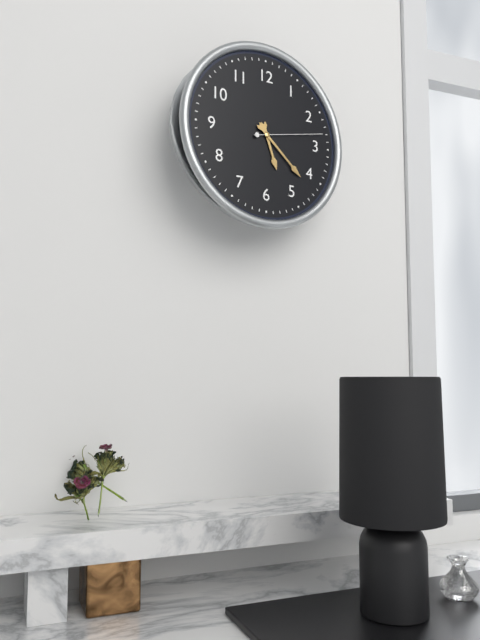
5:22:13
